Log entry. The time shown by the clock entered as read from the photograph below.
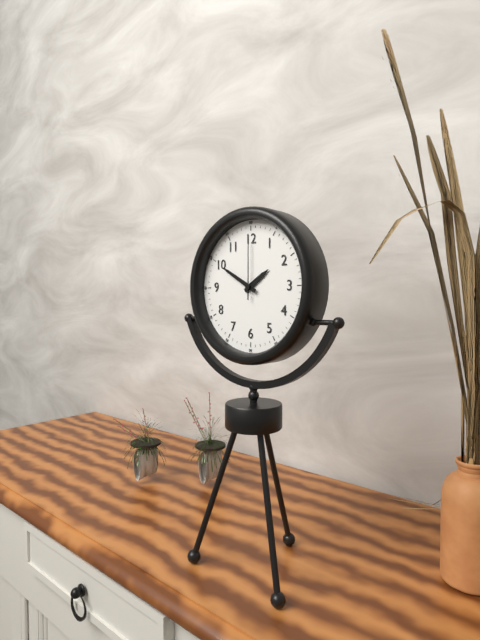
1:50:00
